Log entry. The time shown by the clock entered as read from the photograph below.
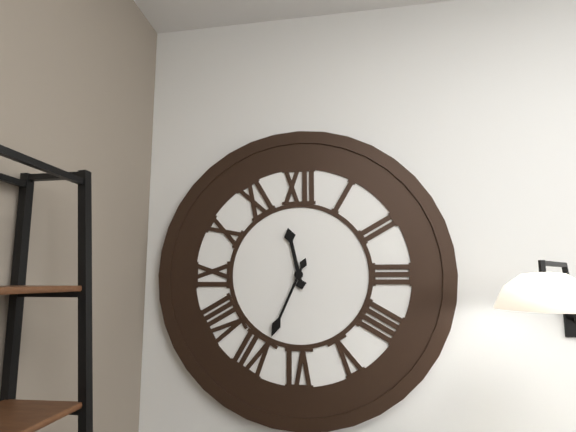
11:34
